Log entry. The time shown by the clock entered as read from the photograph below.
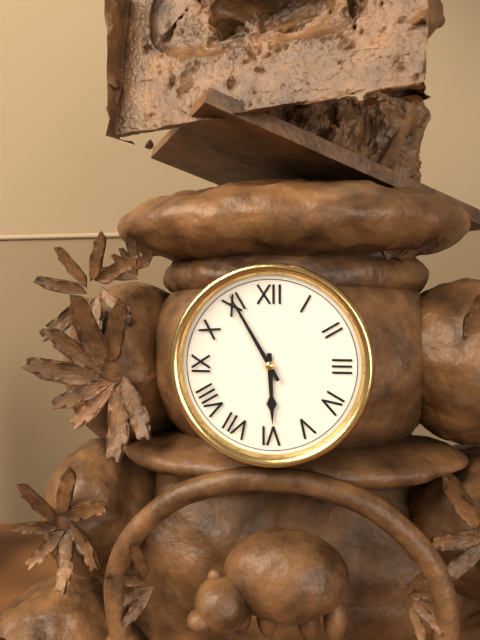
5:55
